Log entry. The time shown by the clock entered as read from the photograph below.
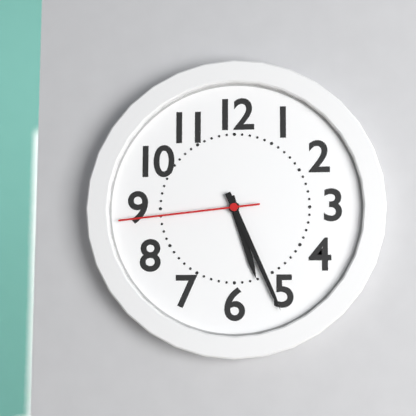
5:26:44
